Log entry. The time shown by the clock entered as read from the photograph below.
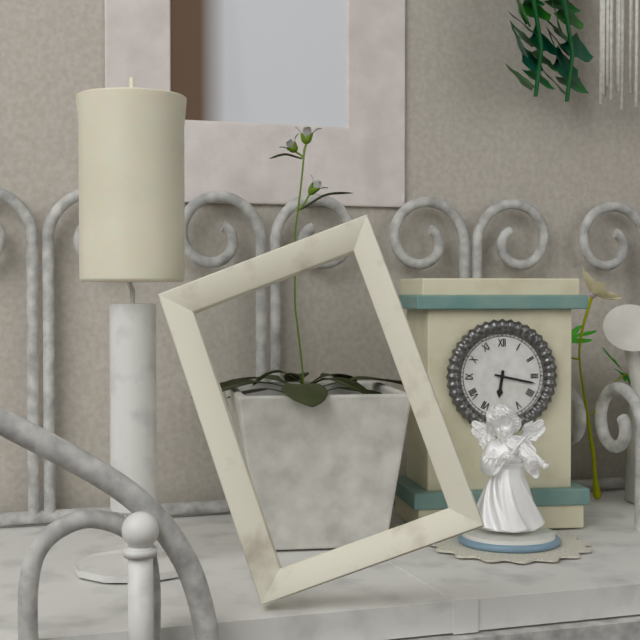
6:17
